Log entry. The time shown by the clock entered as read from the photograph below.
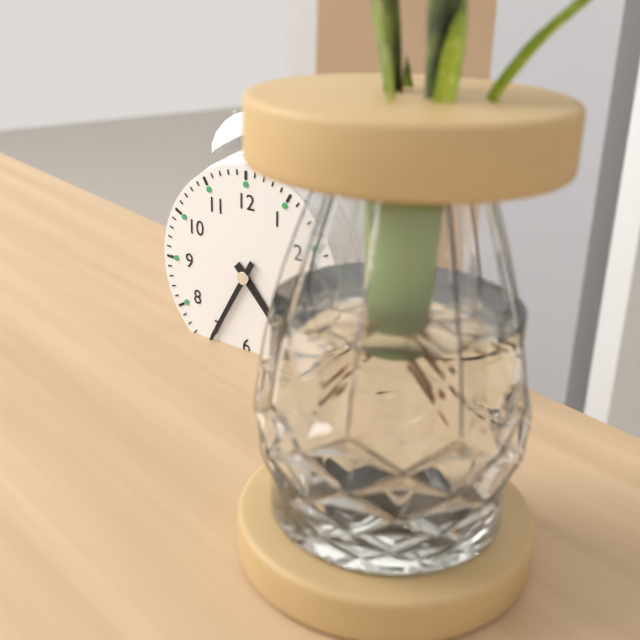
4:35
